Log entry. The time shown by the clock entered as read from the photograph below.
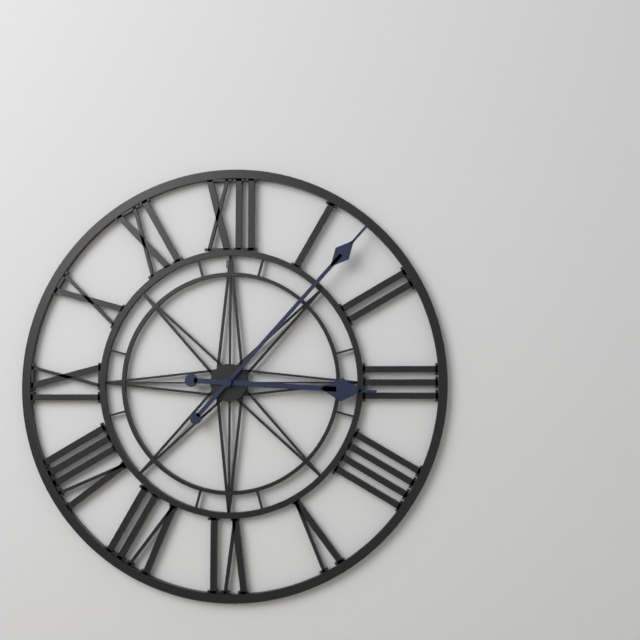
3:07
